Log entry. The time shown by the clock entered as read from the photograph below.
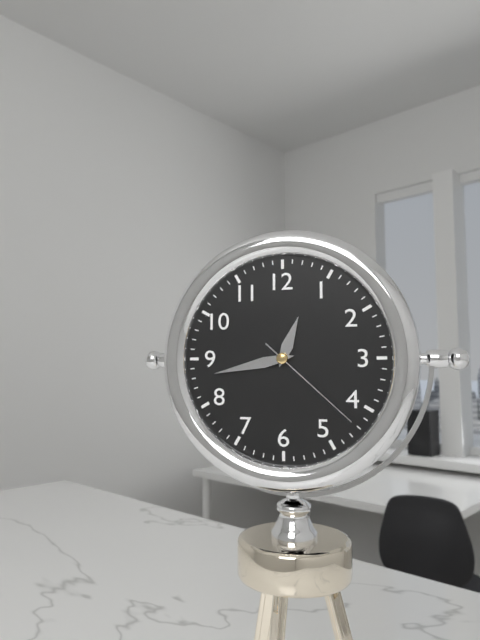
12:43:22
